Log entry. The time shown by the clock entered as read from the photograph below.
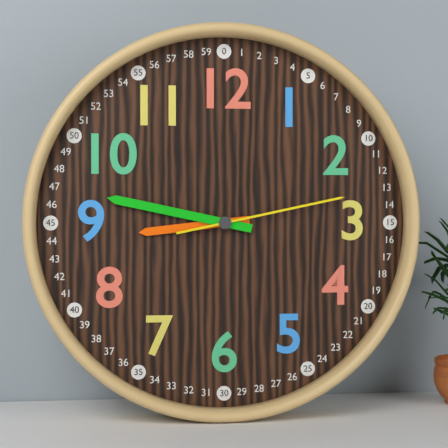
8:47:13
